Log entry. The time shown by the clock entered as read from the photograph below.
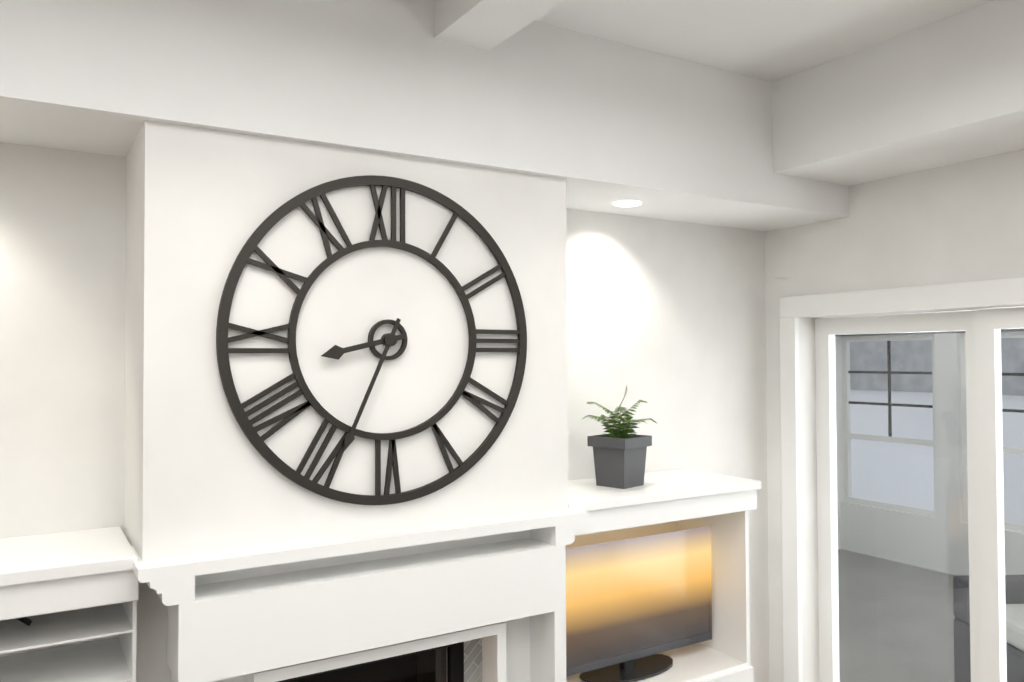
8:34
